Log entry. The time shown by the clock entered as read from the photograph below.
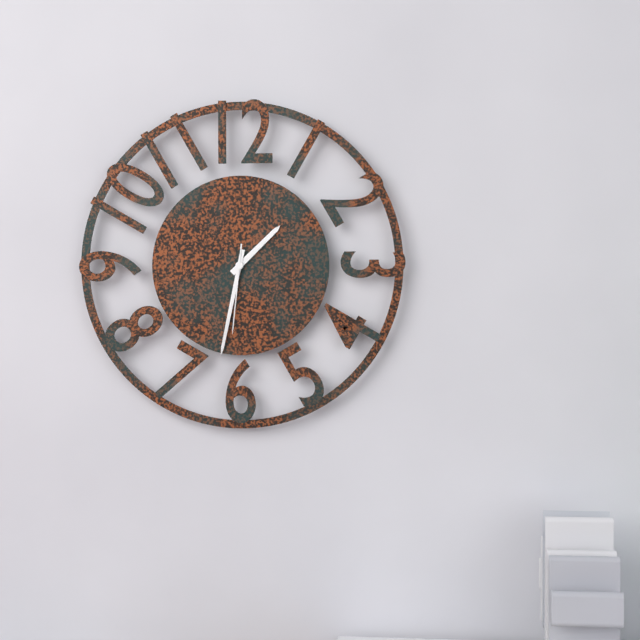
1:32:31
